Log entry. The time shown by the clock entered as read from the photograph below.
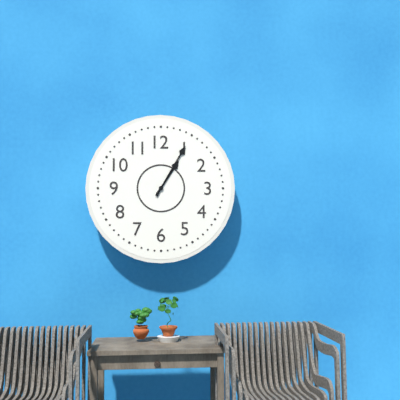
1:05
